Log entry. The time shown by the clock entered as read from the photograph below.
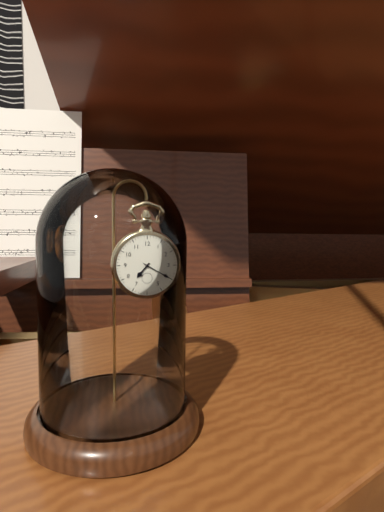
7:20
